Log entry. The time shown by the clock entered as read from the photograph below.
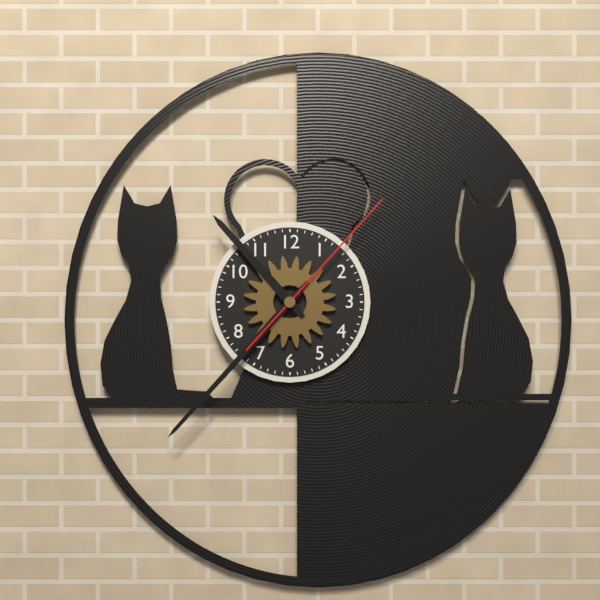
10:37:07
